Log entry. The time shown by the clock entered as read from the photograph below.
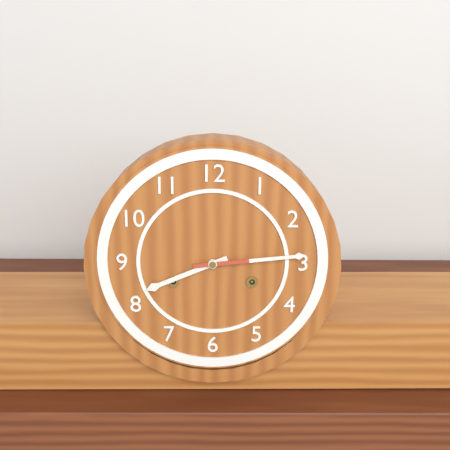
8:14
